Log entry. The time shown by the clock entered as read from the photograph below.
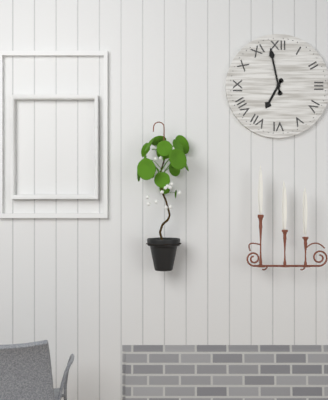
6:58
